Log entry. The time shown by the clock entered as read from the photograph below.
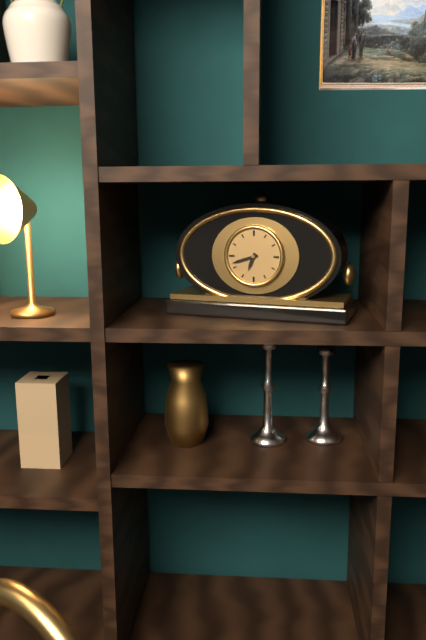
6:42
